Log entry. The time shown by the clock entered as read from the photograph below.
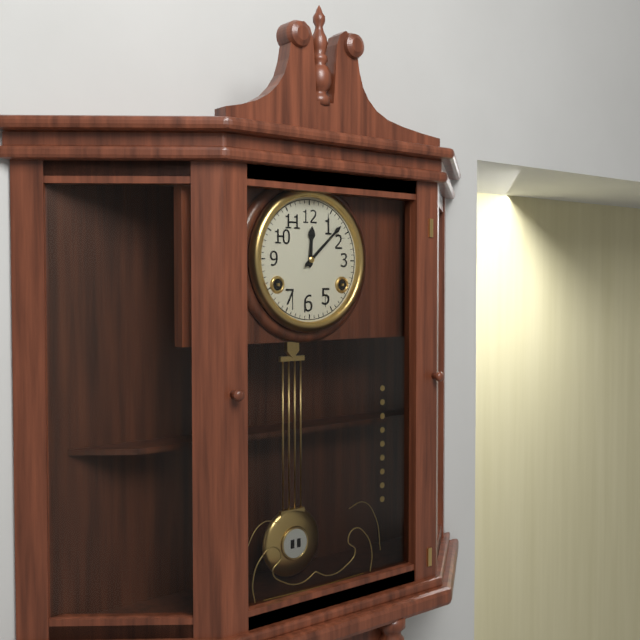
12:08
